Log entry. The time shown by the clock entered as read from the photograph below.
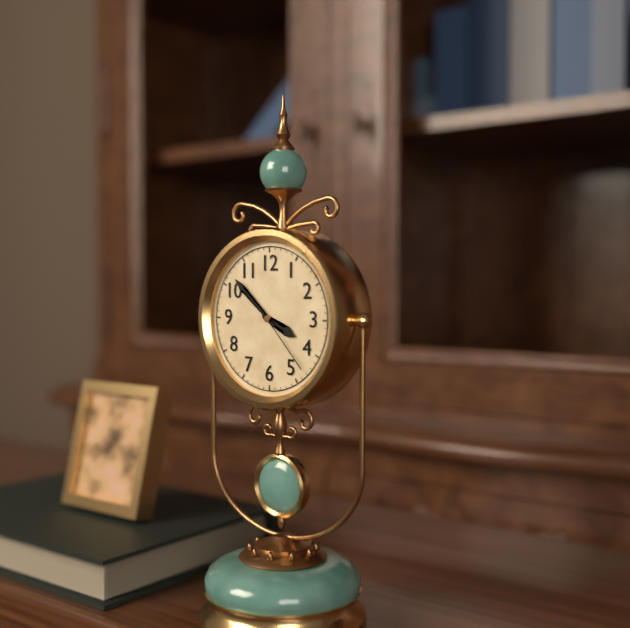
3:52:23
